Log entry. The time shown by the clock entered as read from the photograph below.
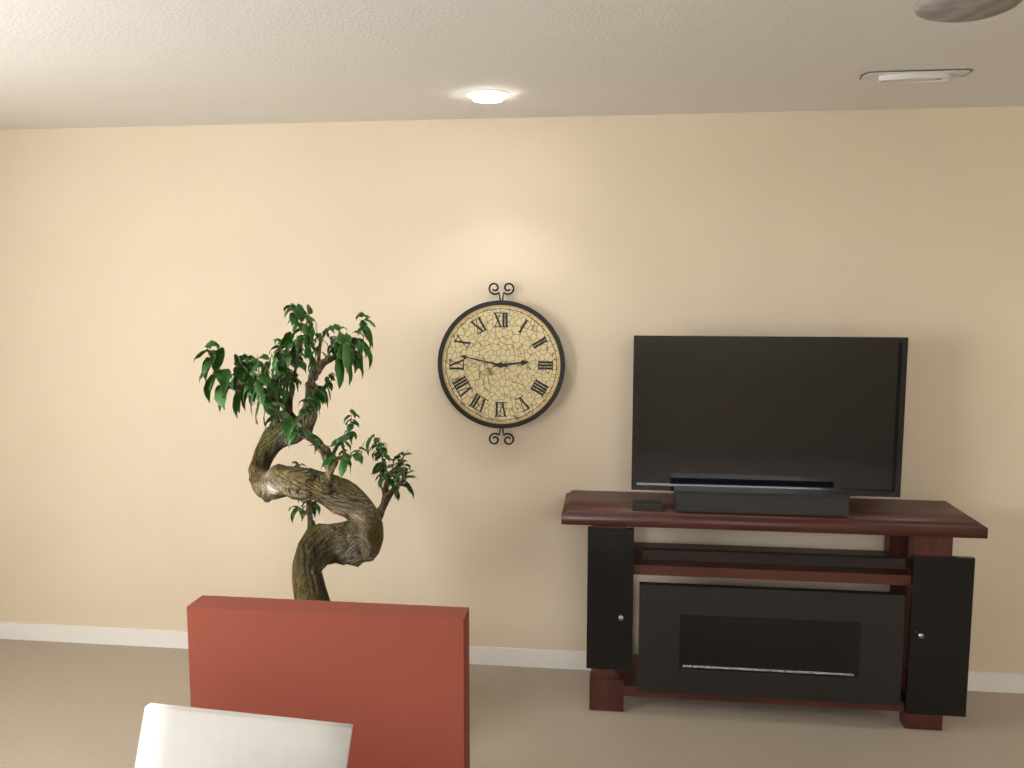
2:47
